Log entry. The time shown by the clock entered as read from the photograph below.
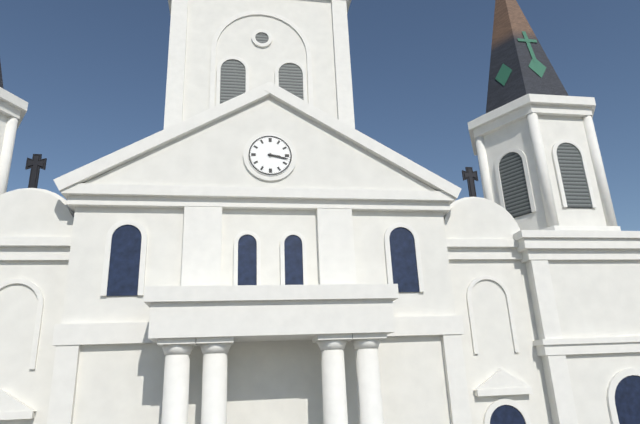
3:17
